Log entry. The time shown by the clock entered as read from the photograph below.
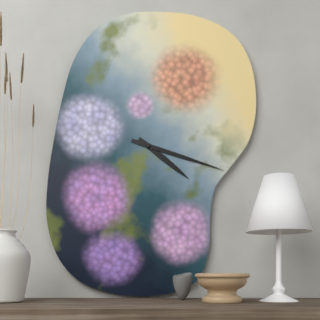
4:18
